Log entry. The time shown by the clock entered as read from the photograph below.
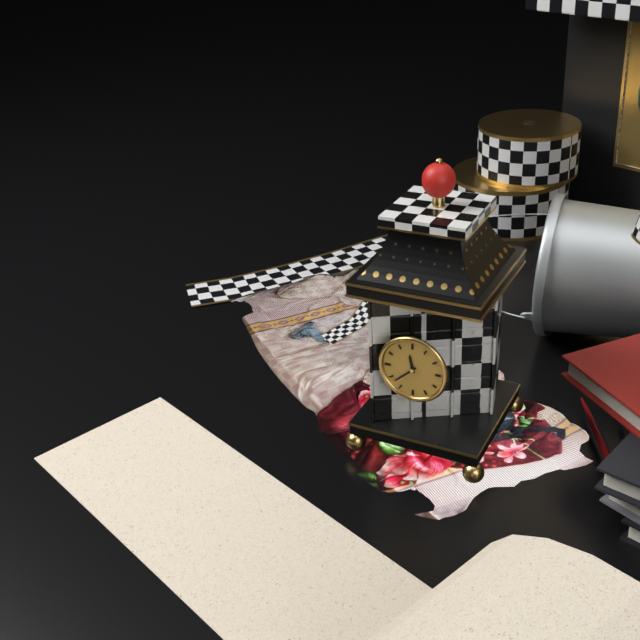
11:38
